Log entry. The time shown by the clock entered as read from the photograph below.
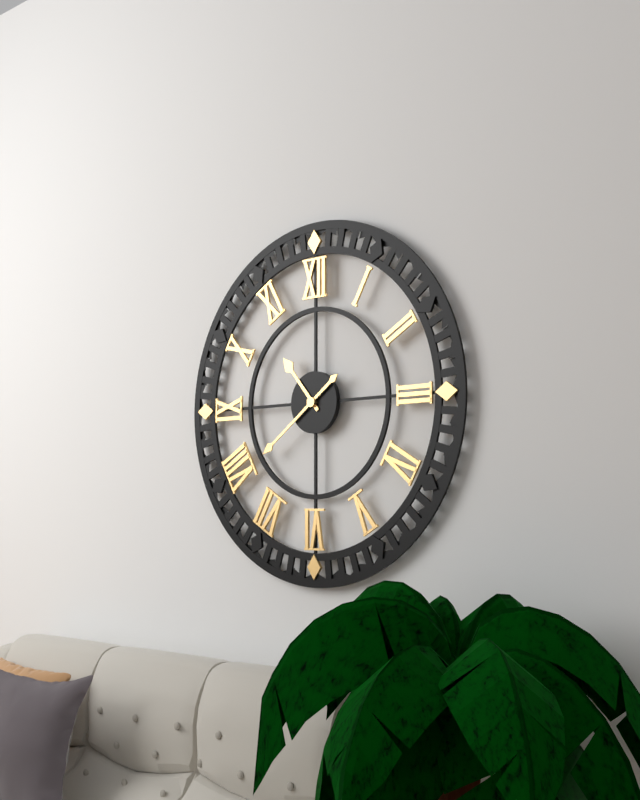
10:39
